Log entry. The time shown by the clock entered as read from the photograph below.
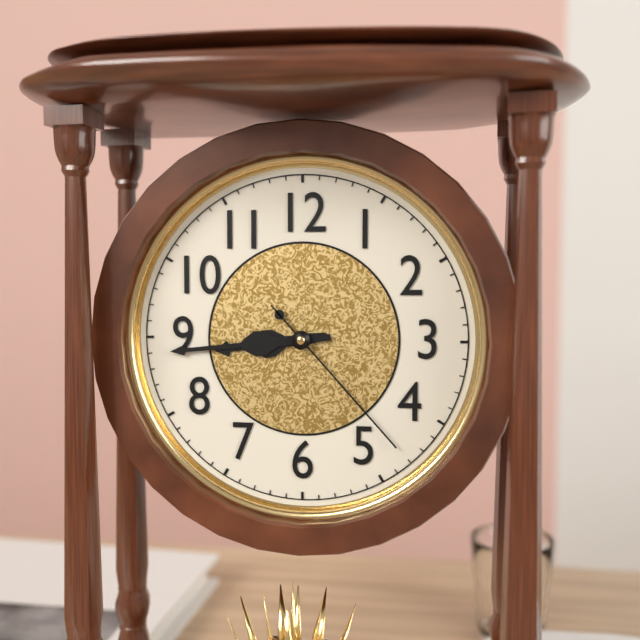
8:44:23
